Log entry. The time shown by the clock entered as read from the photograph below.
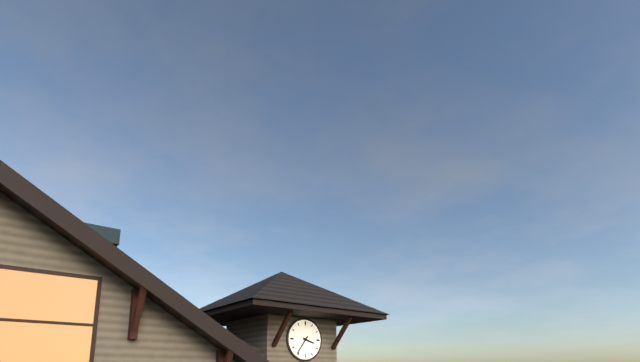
3:36
